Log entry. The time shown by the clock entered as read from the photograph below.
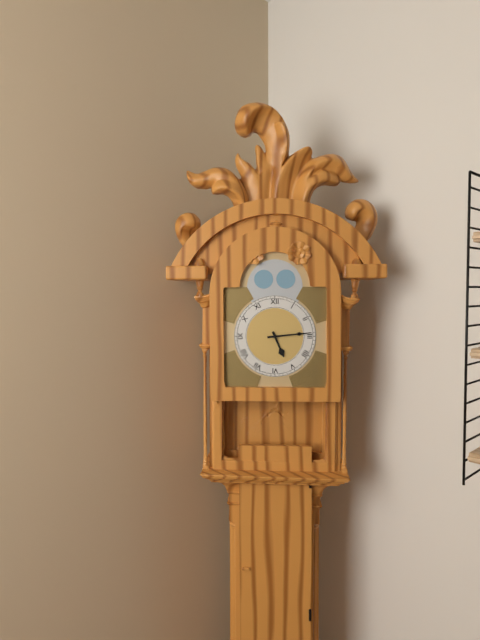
5:14
